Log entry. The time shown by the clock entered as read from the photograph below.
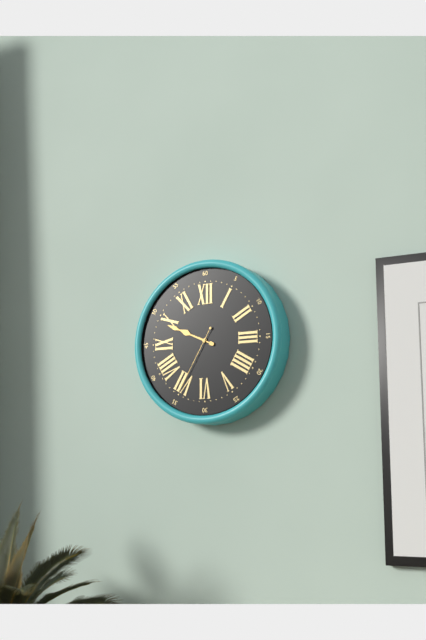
9:49:35
